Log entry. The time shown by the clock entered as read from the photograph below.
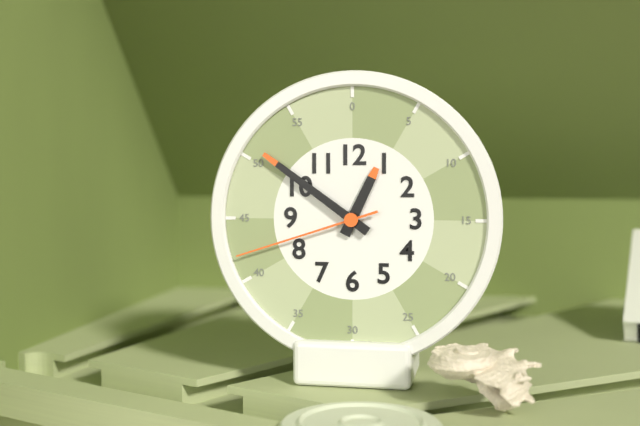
12:51:42
